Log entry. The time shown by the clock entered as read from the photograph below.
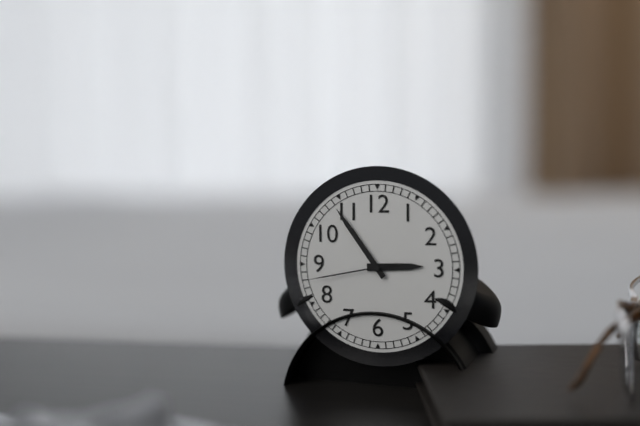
2:54:43
